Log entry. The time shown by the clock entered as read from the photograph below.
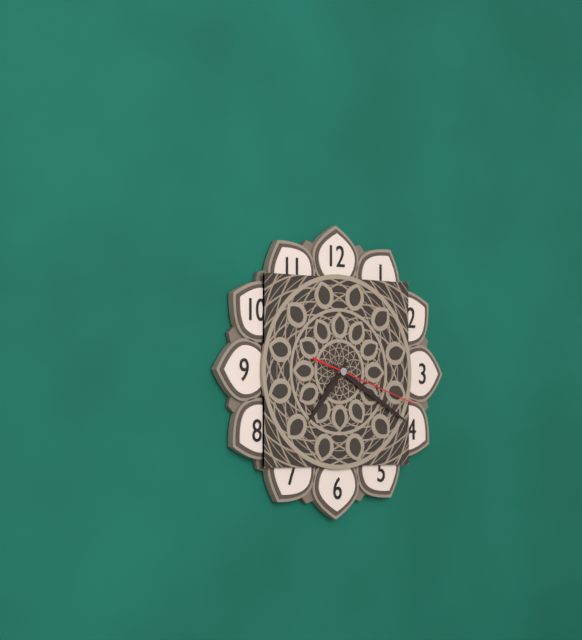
7:20:18
